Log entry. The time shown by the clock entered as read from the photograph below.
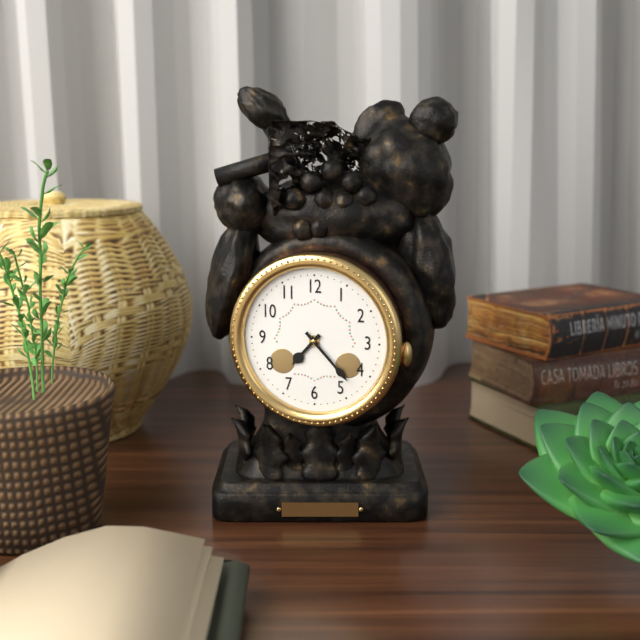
7:23
